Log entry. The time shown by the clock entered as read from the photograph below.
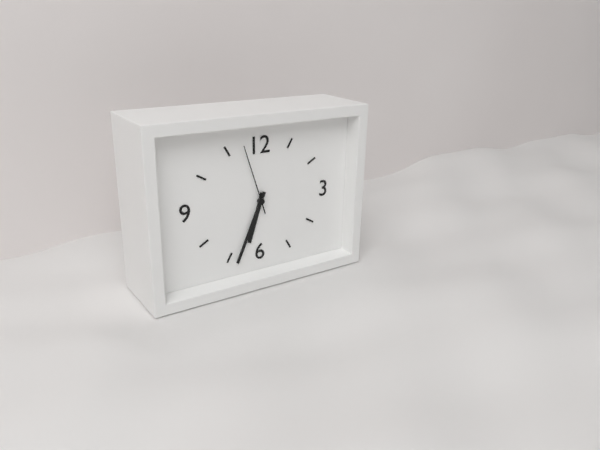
6:34:57
